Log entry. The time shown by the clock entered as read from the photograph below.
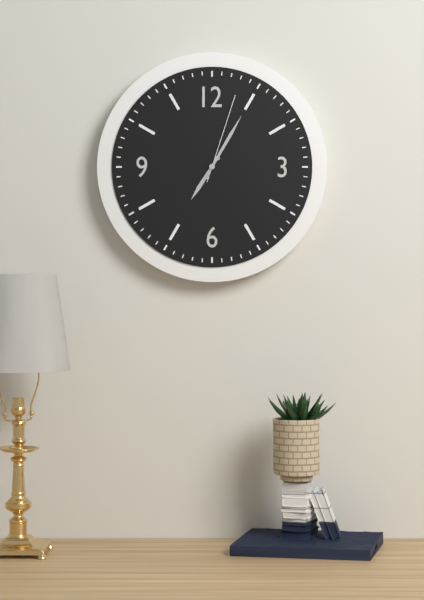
7:05:03
